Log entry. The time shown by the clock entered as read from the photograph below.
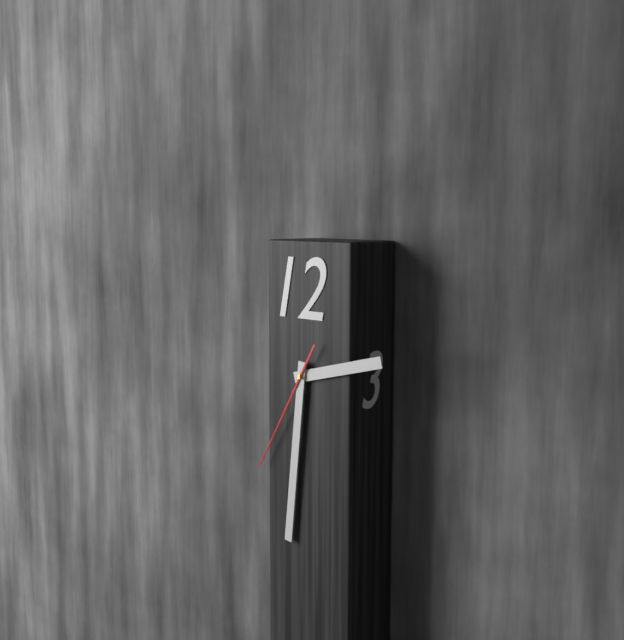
2:31:35
